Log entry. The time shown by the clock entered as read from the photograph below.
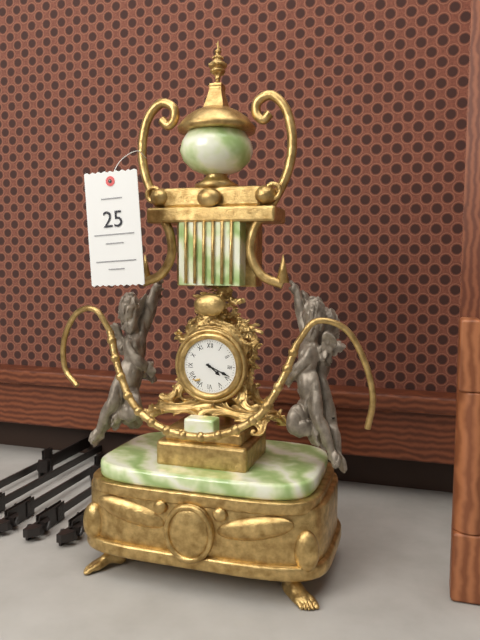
4:19
